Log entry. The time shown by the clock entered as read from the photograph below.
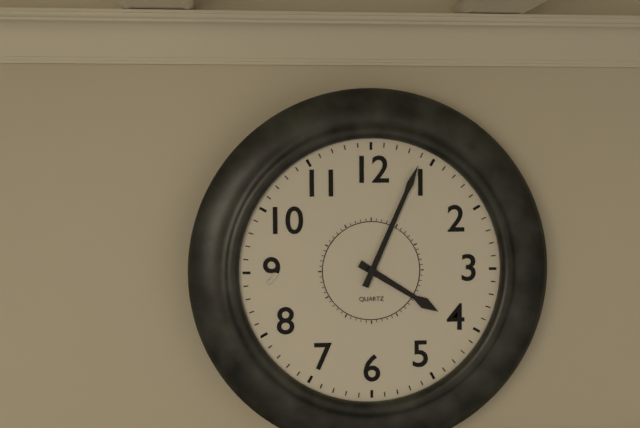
4:04
